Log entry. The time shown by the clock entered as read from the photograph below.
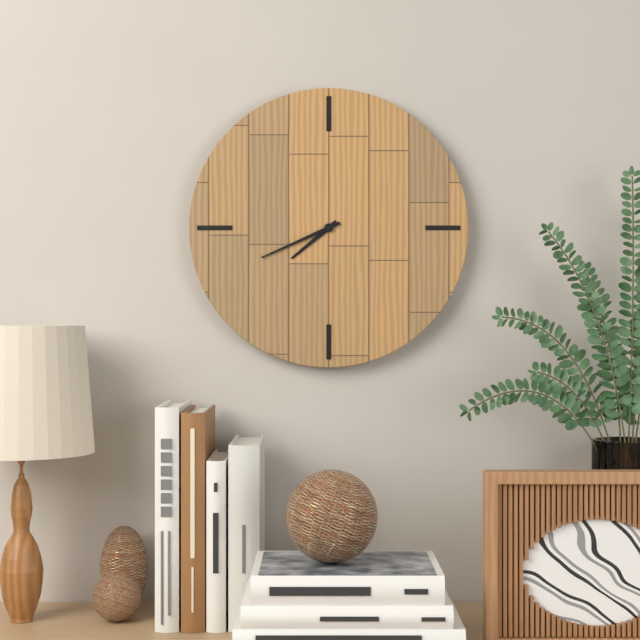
7:41
